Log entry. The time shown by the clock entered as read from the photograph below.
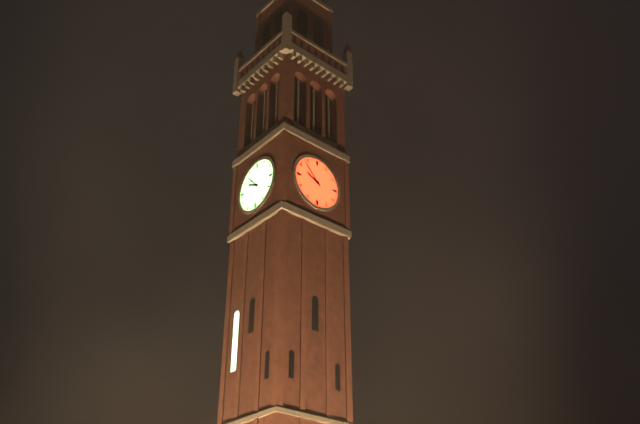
9:53
